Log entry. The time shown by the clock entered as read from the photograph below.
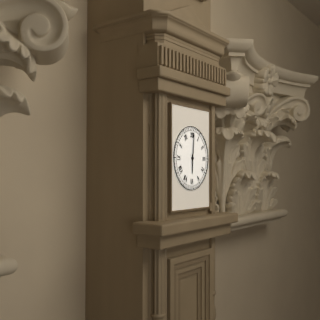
6:01
